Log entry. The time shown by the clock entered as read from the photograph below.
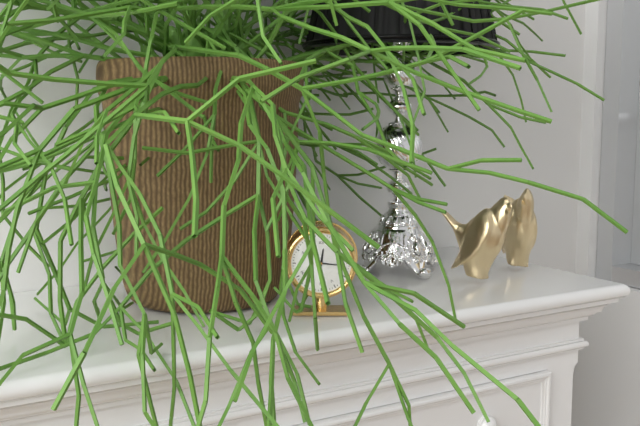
12:16
